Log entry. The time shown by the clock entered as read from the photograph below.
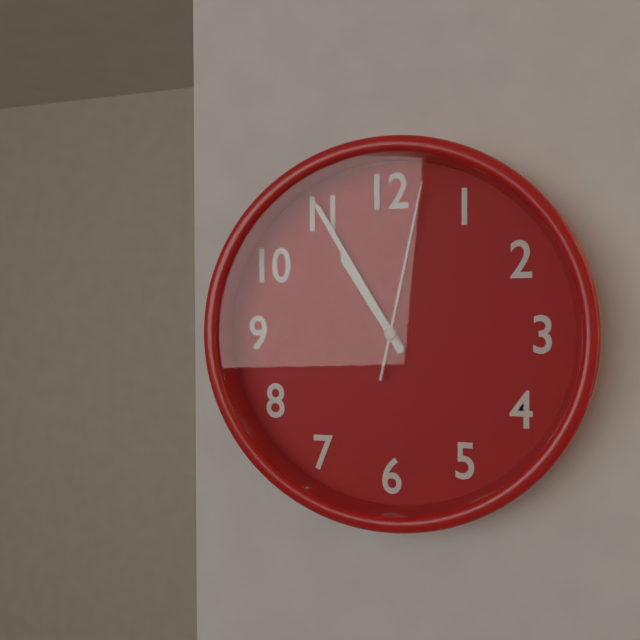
10:55:02
